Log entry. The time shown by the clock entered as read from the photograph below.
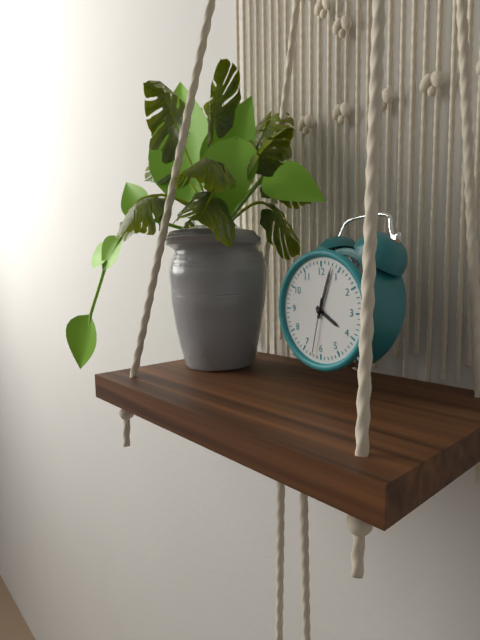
4:03:32
